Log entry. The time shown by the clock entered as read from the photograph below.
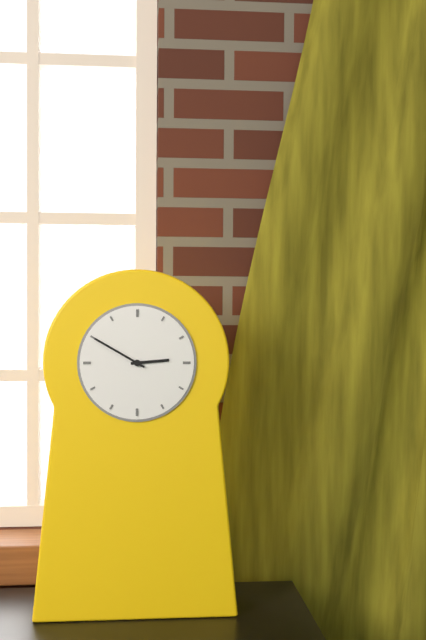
2:50
